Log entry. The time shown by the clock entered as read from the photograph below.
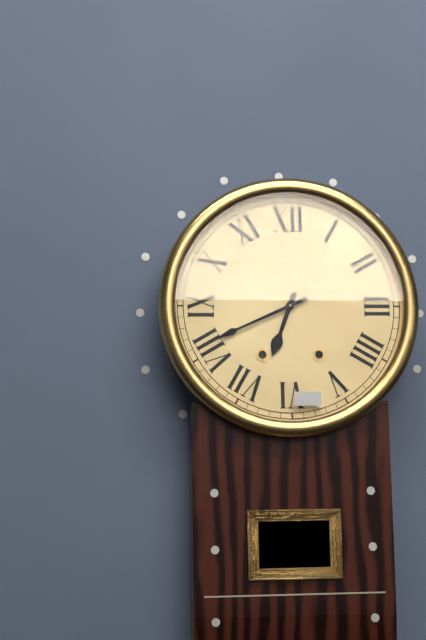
6:41
